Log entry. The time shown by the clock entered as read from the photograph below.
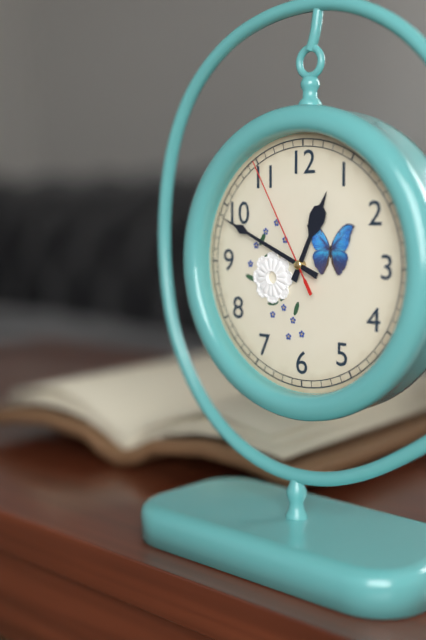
12:49:55
